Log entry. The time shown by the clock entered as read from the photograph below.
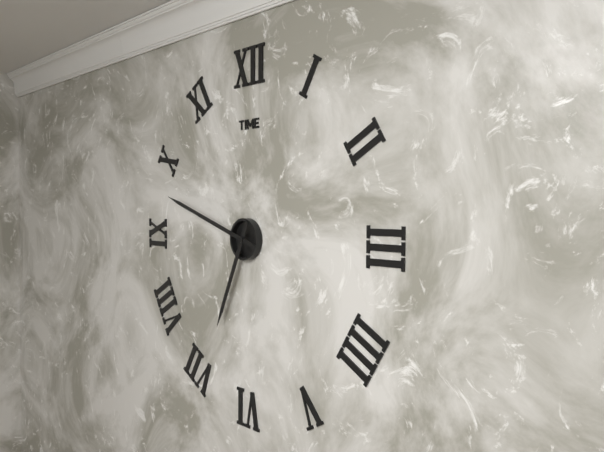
6:48
